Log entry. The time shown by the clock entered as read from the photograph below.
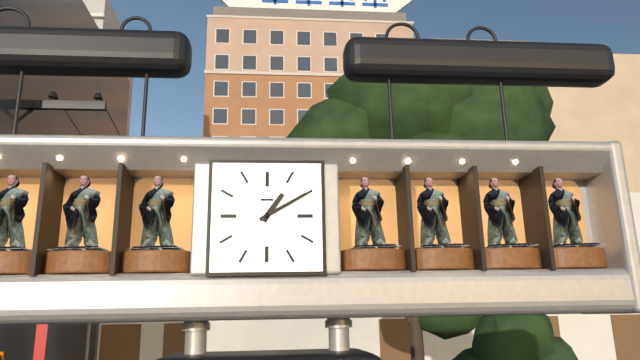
1:10
